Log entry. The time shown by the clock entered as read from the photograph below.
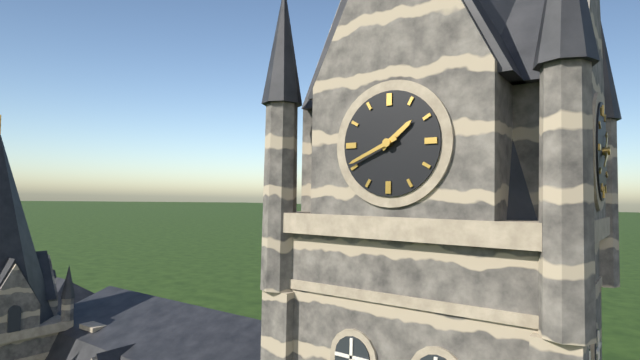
1:41
